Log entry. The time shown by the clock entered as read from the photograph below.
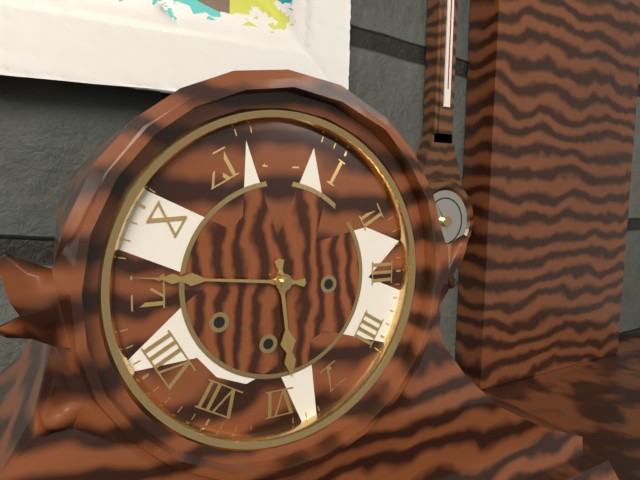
5:46
